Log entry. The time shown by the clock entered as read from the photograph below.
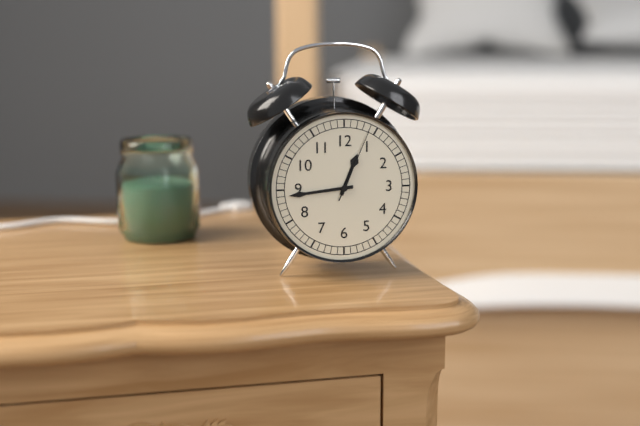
12:44:04
